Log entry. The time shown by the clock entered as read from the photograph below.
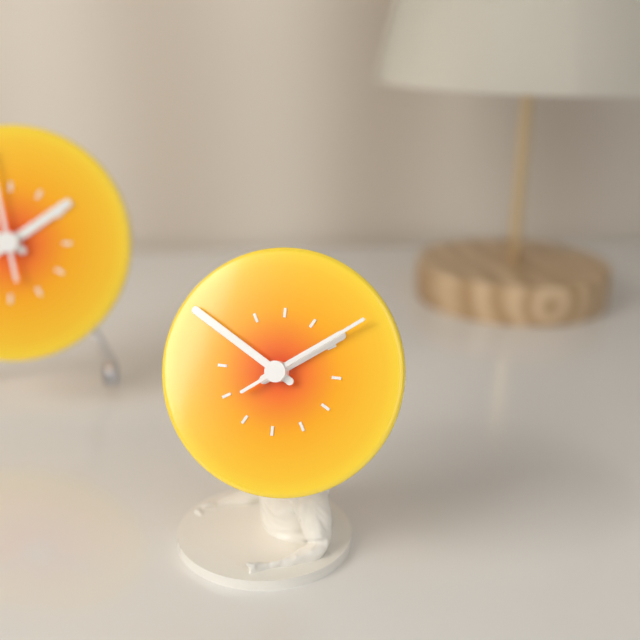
1:50:09
